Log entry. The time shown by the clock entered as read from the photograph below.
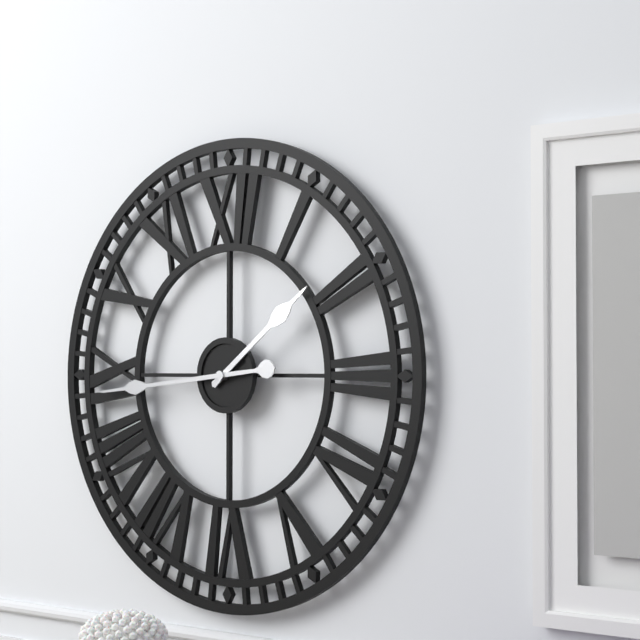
1:44
